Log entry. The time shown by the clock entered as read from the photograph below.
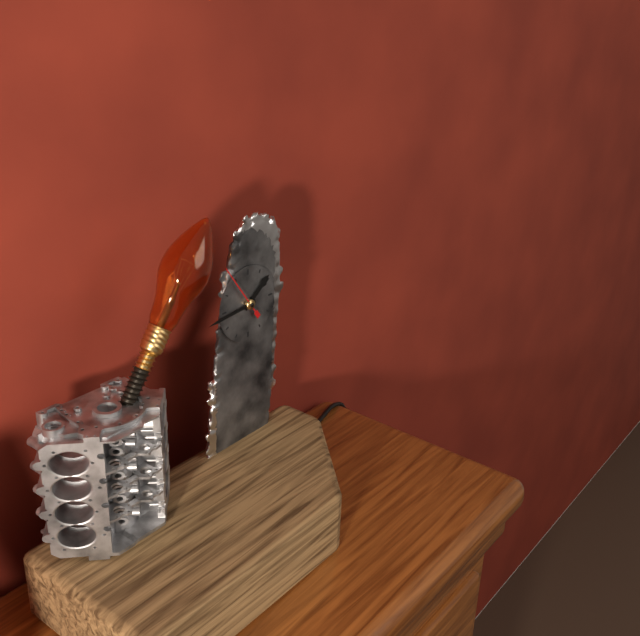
1:44:54
